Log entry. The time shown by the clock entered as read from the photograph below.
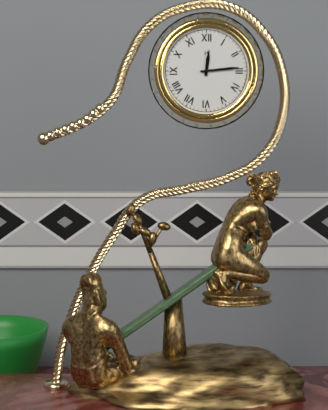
12:14
